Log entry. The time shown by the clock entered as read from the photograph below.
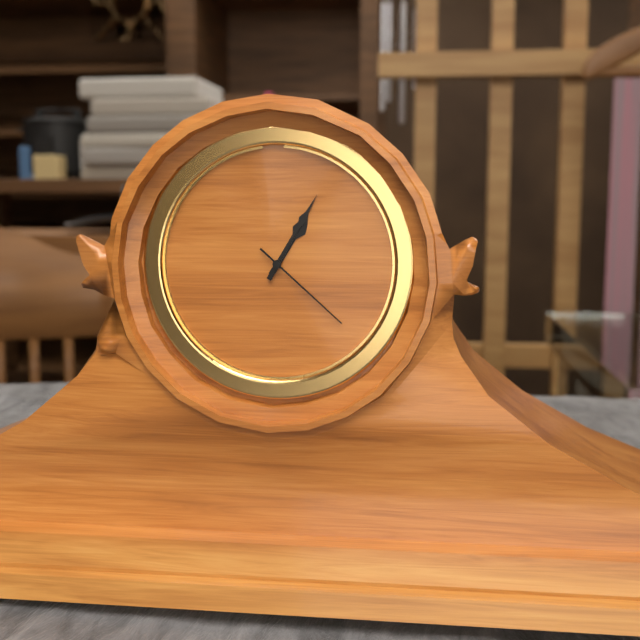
1:05:22
